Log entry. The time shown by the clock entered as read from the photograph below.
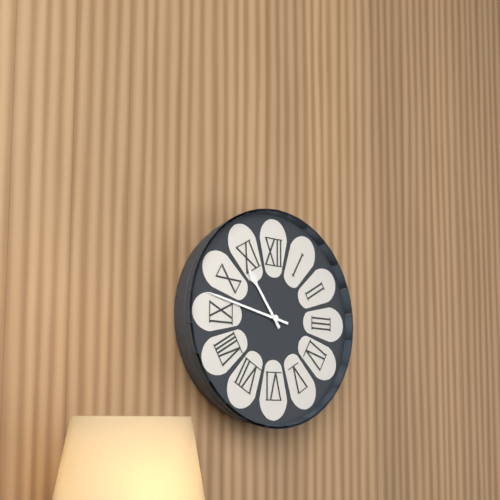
10:47
